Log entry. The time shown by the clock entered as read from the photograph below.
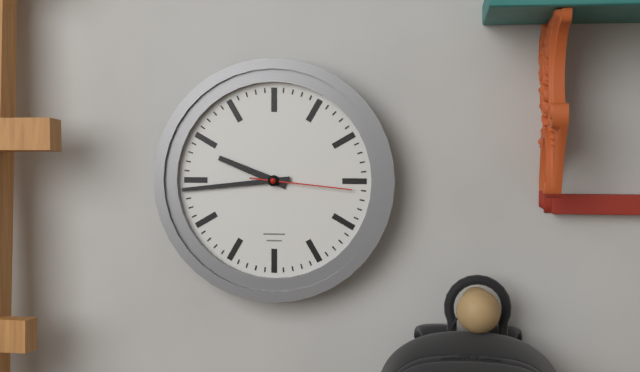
9:44:16
